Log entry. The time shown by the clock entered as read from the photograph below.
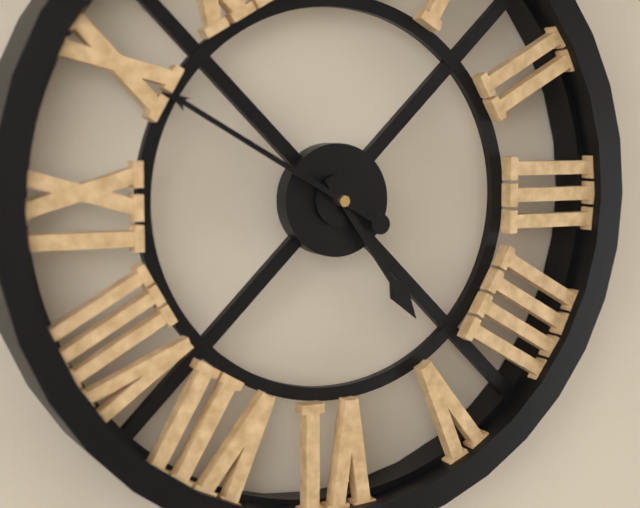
4:50
